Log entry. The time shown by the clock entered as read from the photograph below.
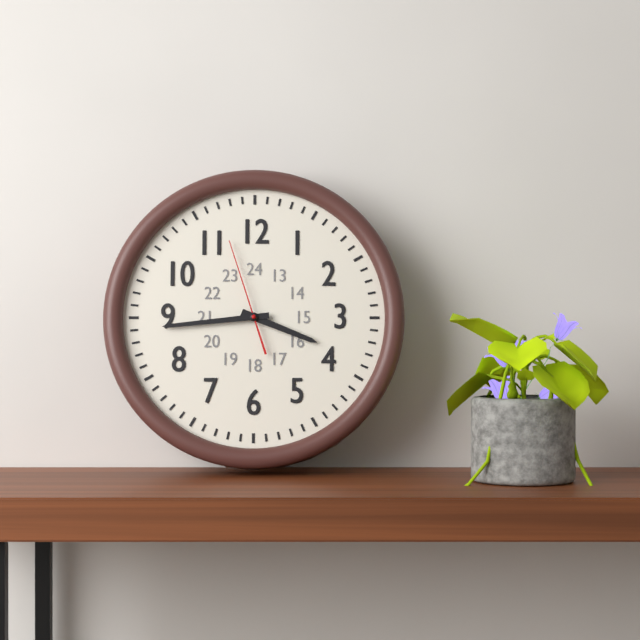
3:44:57
